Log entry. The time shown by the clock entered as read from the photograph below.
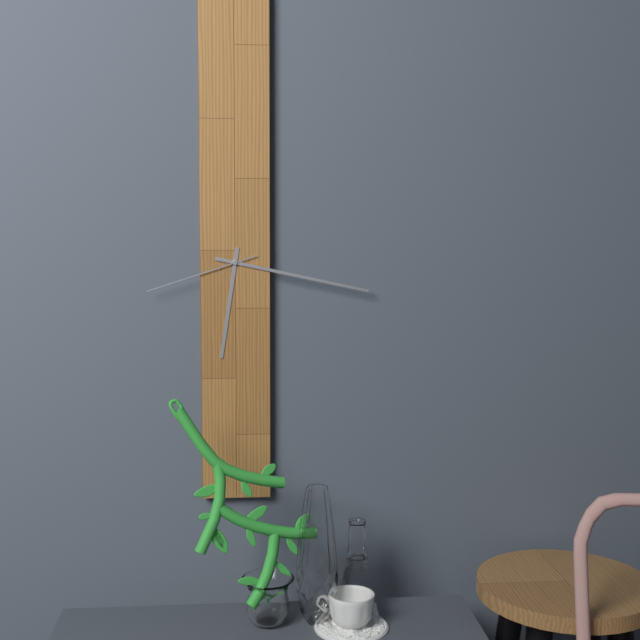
6:17:42
